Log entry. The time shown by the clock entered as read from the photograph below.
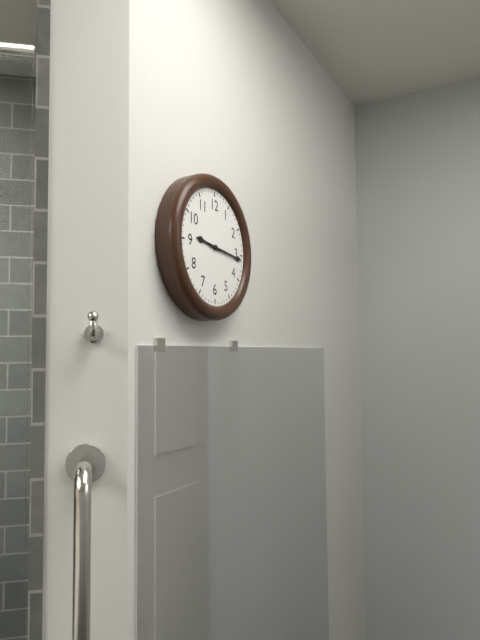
9:16
